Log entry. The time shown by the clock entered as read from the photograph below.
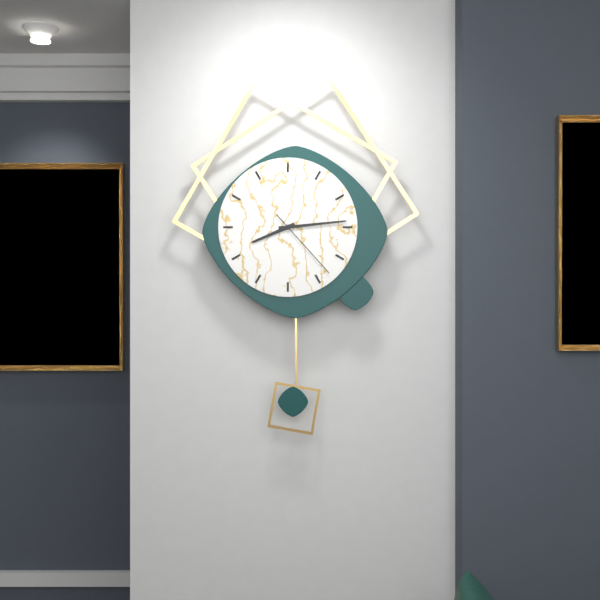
8:14:23
